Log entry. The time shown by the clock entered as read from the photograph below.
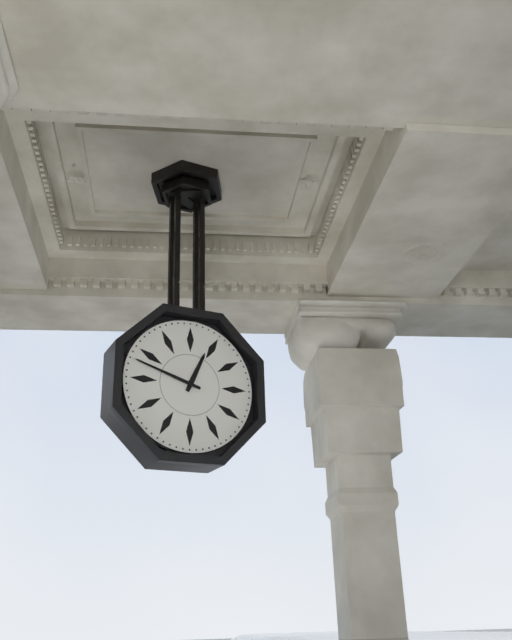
12:48
